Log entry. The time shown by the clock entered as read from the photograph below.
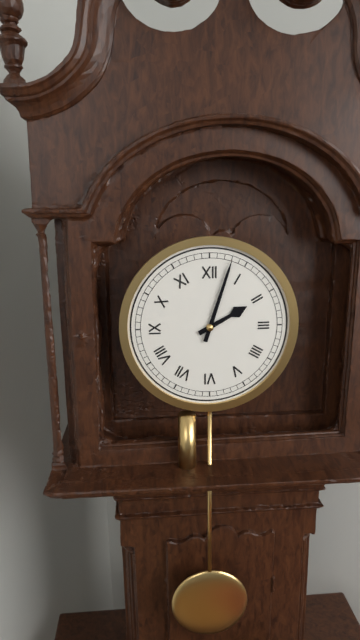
2:03
